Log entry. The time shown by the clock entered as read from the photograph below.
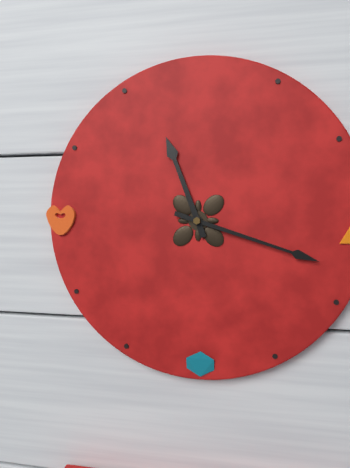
11:18
